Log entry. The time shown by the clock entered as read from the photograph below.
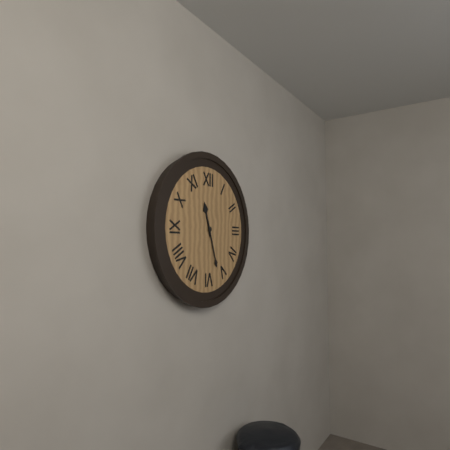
11:27
